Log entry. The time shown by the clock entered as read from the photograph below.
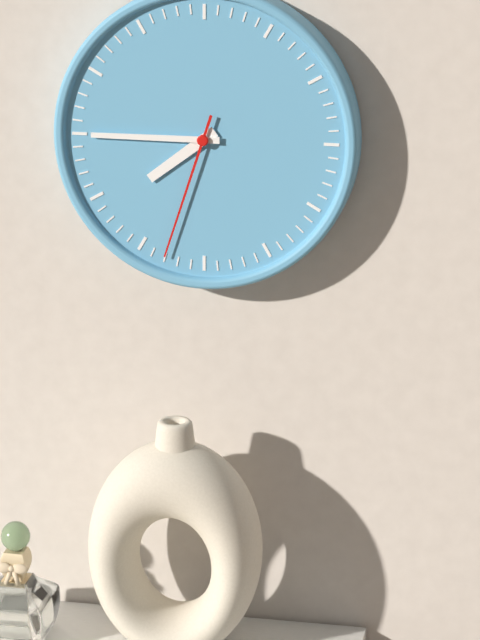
7:45:33
